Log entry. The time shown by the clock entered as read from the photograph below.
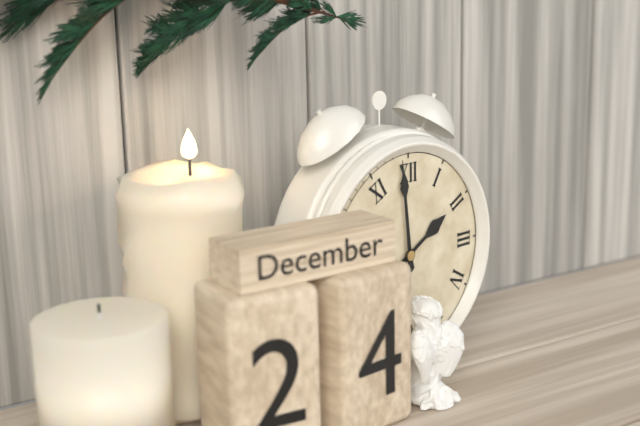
1:59
